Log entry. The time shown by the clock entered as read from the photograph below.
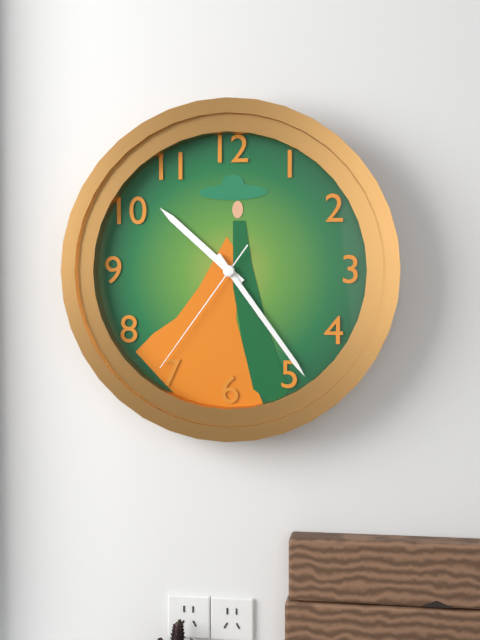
10:24:36
